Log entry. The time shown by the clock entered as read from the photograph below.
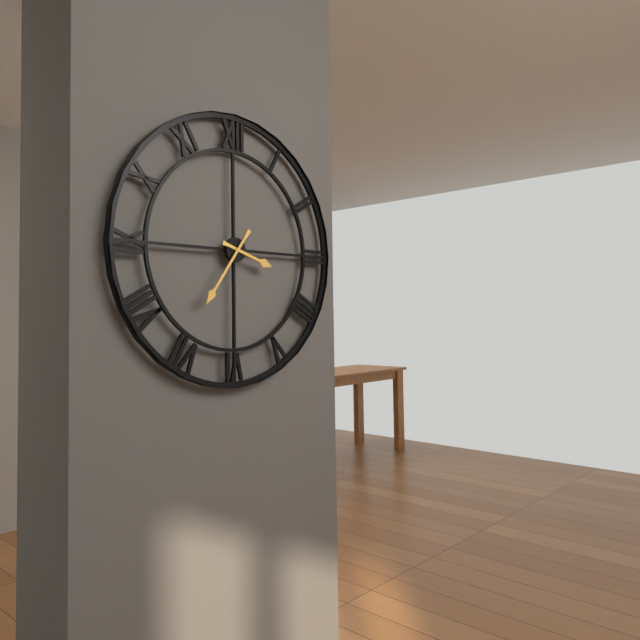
3:36
